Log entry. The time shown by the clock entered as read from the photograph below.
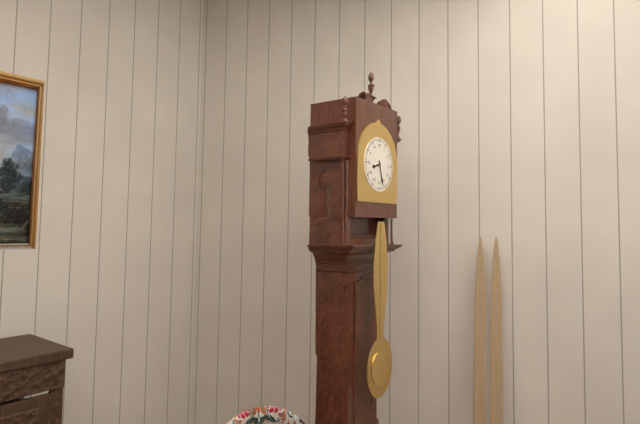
8:27
